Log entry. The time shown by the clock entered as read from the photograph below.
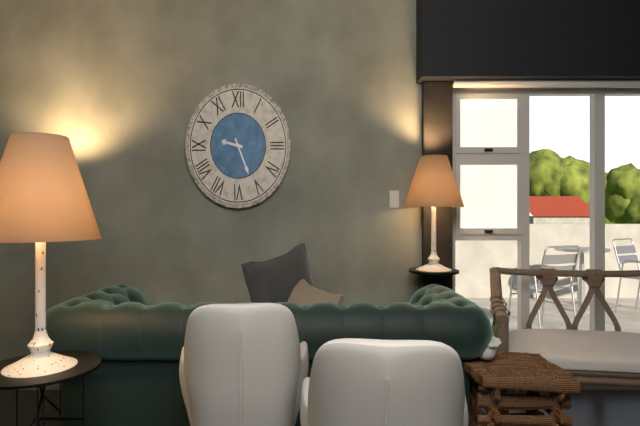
9:26
